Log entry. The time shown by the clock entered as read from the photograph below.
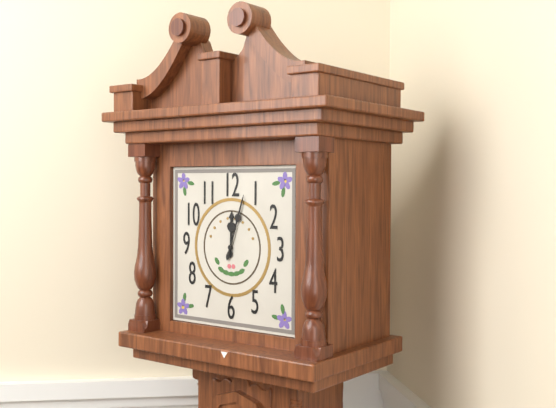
12:03
